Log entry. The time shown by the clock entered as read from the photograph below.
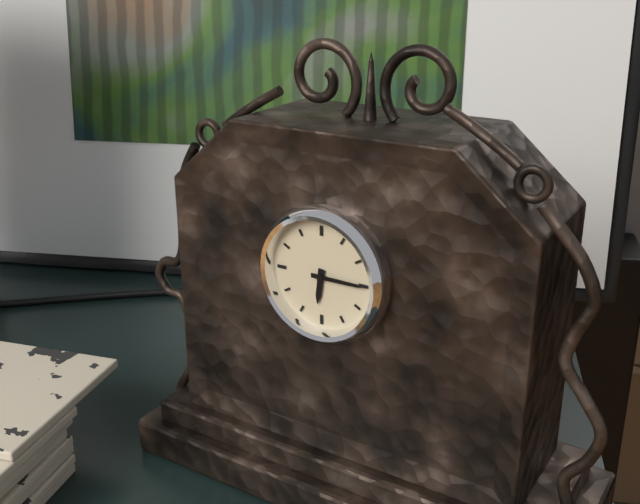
6:15
